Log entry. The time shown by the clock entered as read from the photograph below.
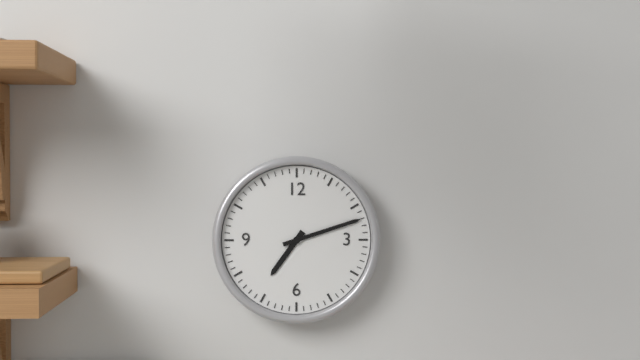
7:12
